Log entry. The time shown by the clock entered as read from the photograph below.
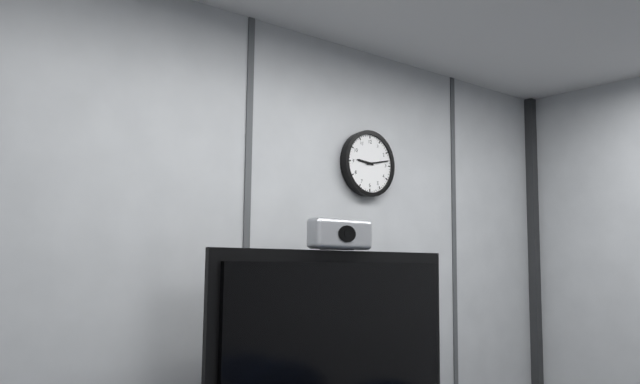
9:13
